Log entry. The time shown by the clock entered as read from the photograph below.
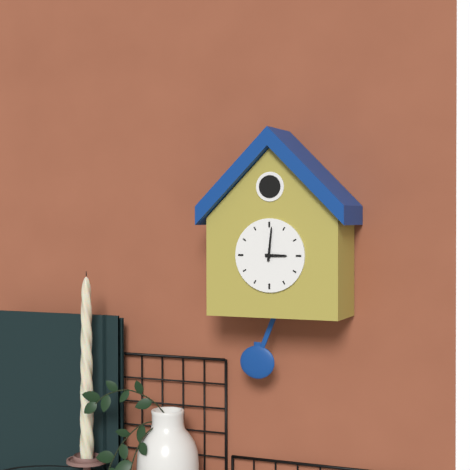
3:01
